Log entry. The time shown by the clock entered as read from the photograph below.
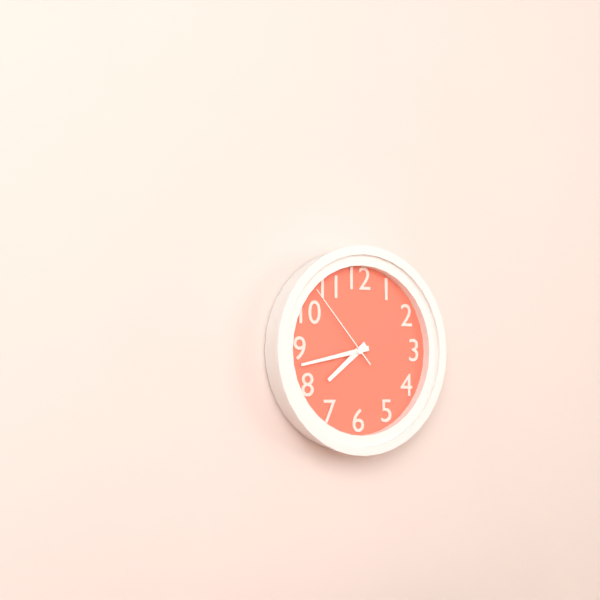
7:43:53
